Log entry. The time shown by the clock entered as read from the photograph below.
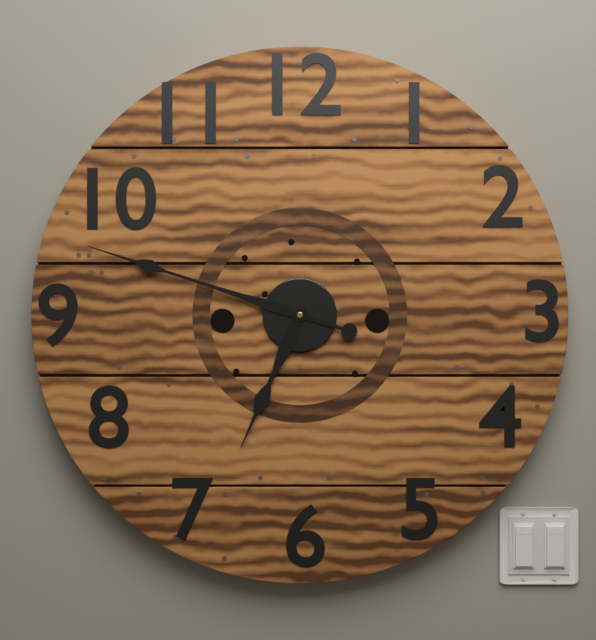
6:48
